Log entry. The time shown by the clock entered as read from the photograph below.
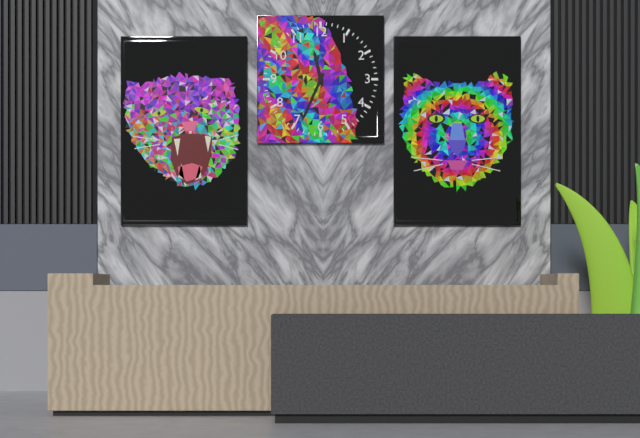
11:34
